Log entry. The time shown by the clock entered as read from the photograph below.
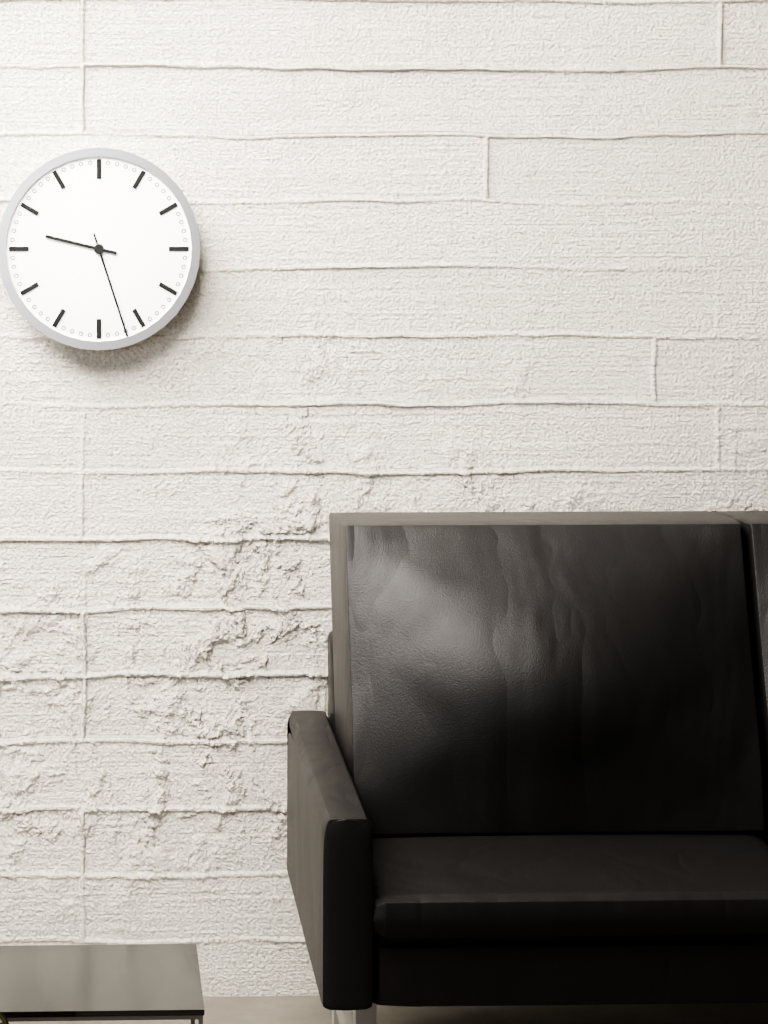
9:27
